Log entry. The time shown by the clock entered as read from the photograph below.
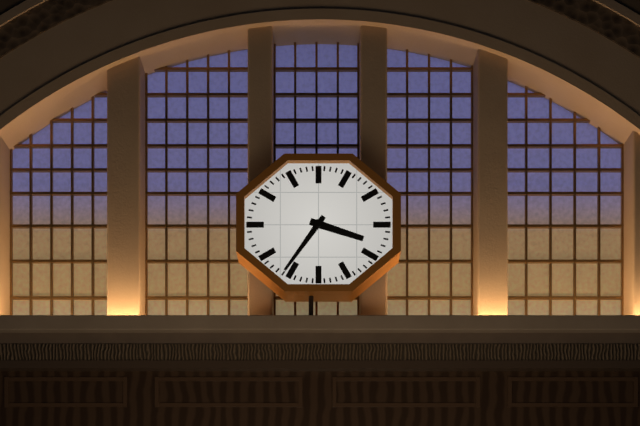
3:36
